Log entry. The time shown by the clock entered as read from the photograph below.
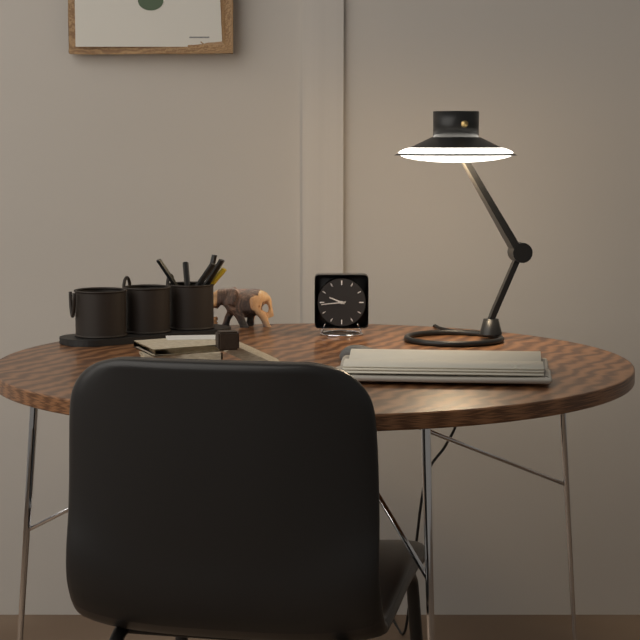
9:44
